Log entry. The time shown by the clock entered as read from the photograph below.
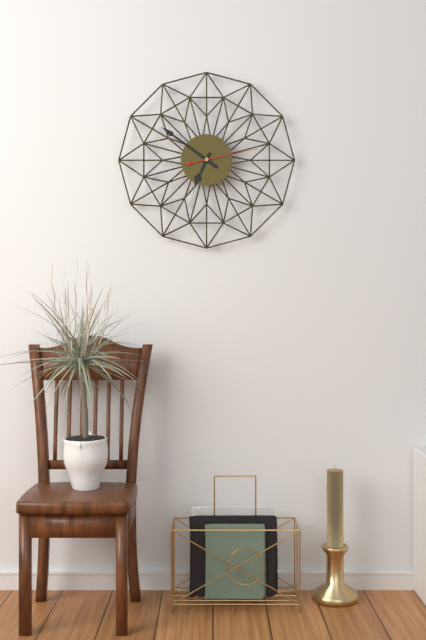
6:51:13
